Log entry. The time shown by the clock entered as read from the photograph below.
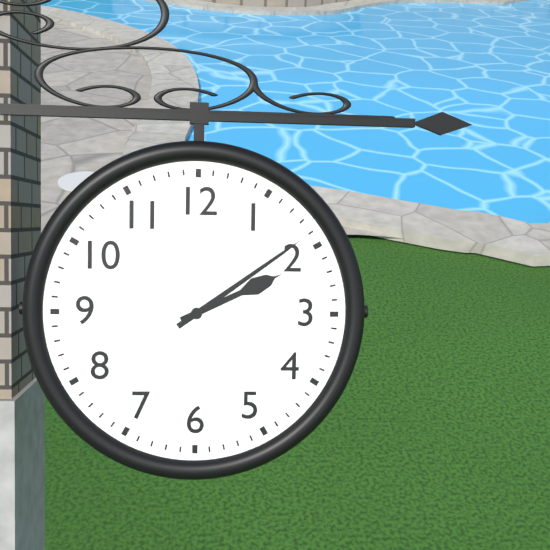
2:09
